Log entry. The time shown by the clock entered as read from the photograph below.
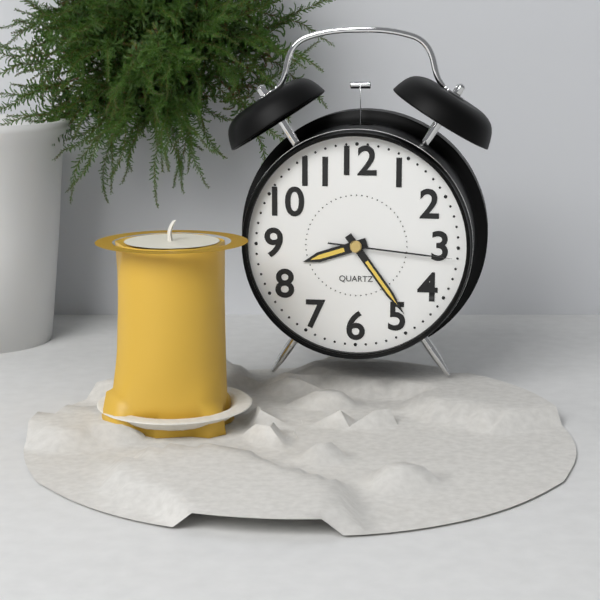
8:24:16
